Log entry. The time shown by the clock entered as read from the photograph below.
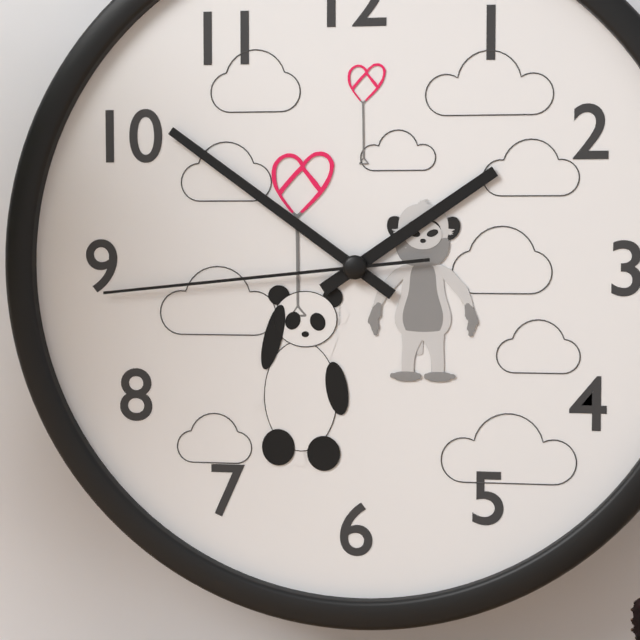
1:51:44
